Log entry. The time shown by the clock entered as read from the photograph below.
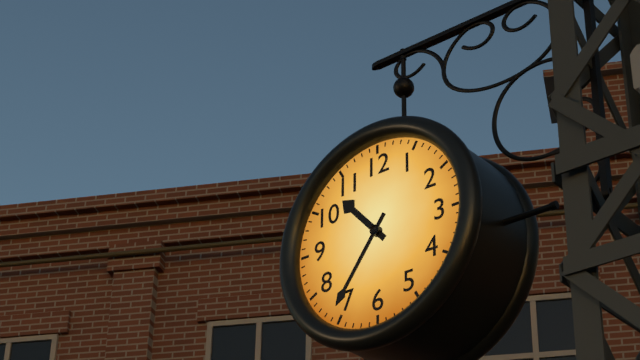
10:36
